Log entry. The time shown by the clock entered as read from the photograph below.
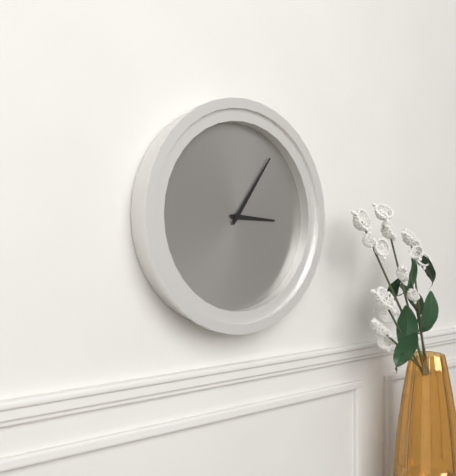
3:06
